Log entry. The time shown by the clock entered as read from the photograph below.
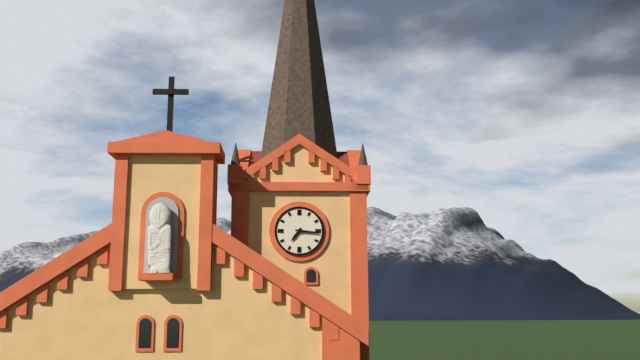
7:16
